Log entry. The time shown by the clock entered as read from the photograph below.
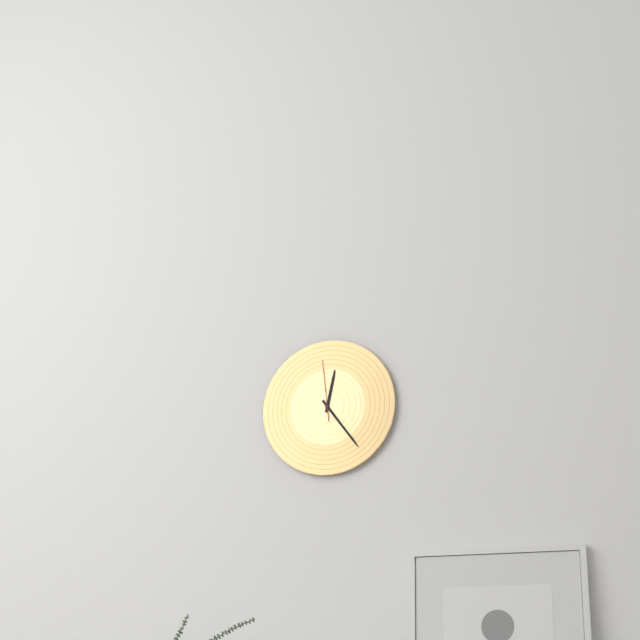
12:24:59
